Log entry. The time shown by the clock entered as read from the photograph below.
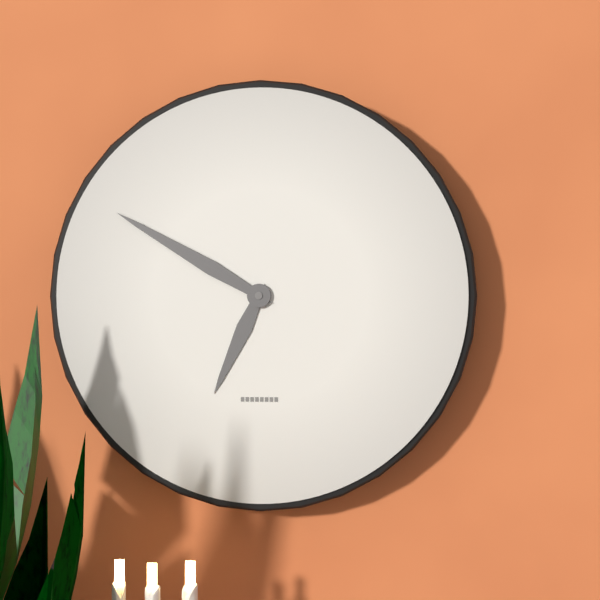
6:50
